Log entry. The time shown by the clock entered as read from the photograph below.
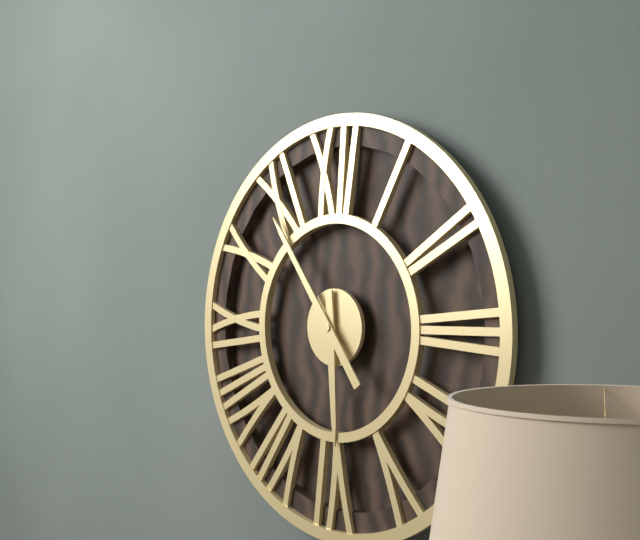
5:54
